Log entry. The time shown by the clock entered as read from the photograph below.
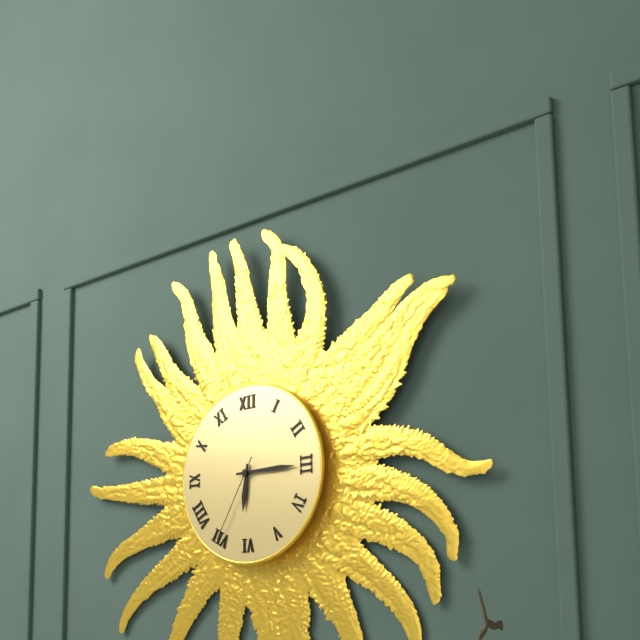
6:15:35
